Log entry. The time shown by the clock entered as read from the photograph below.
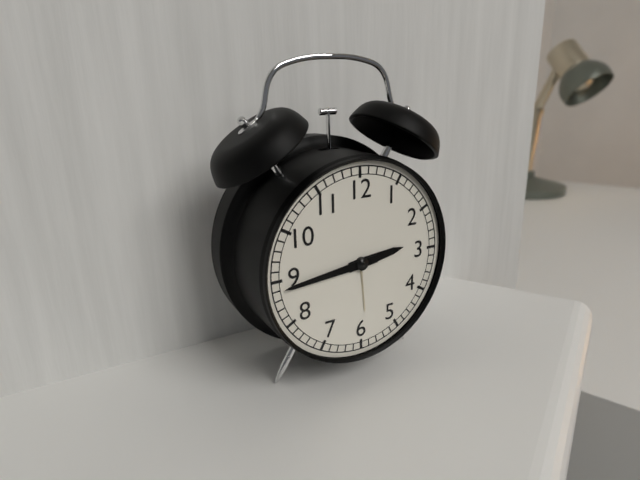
2:44
